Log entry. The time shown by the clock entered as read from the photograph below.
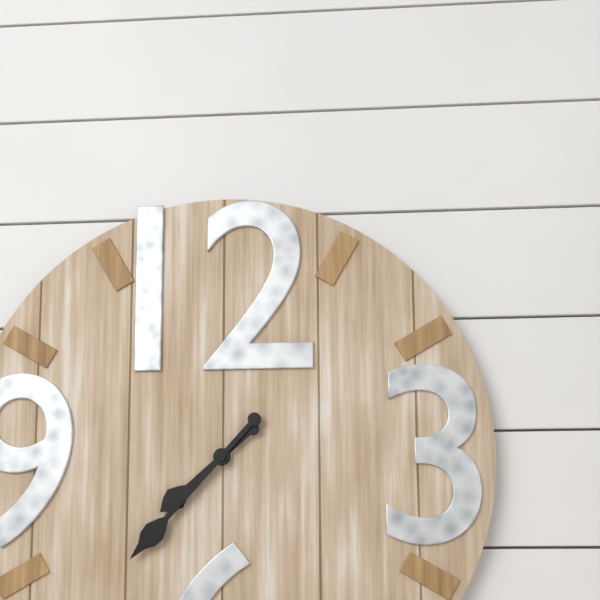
7:37
